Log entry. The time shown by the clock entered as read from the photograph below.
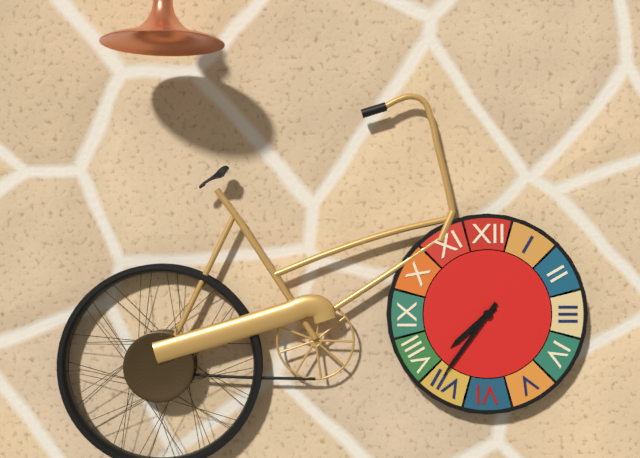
7:36
